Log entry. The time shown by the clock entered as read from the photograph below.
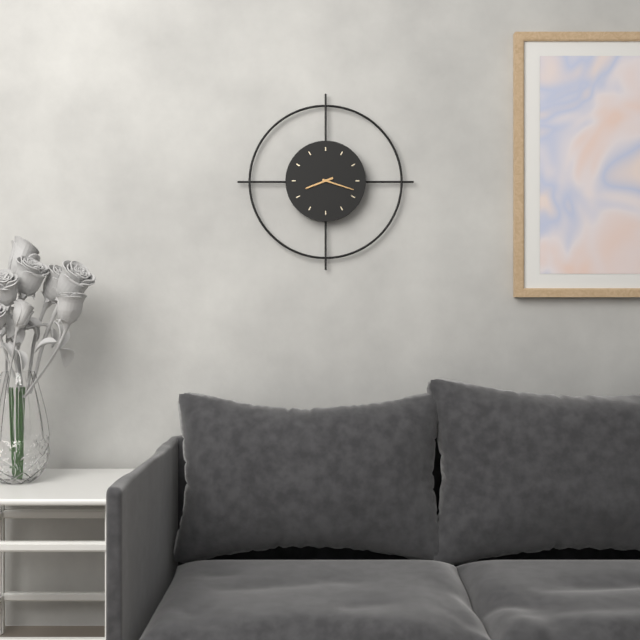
8:18
